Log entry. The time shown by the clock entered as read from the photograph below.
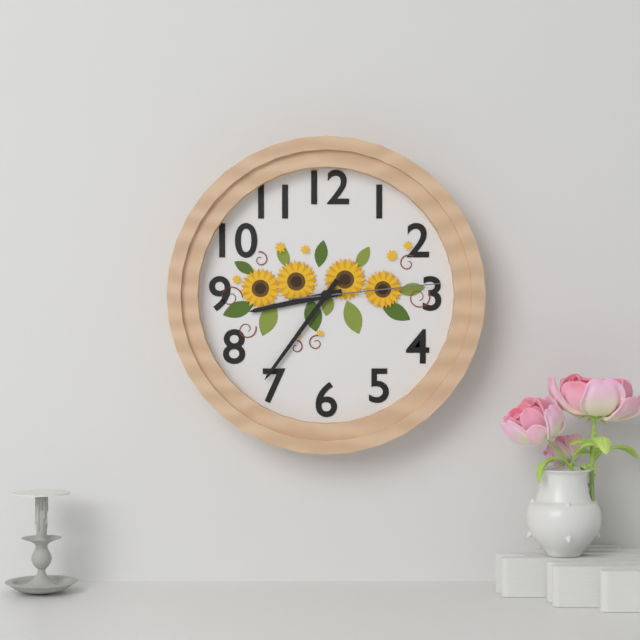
8:36:14
